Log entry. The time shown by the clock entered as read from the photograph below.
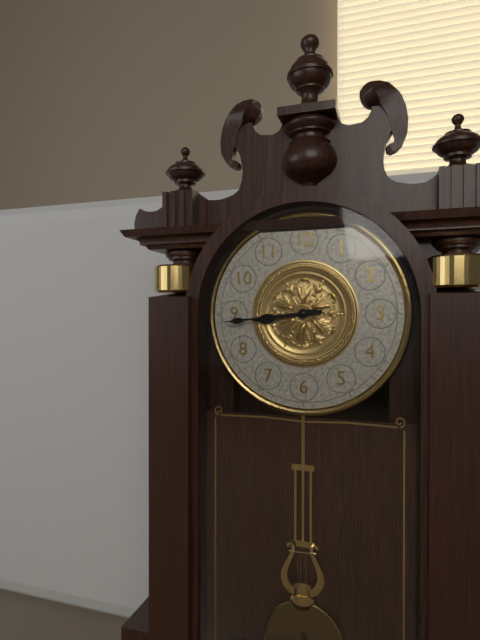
8:44
